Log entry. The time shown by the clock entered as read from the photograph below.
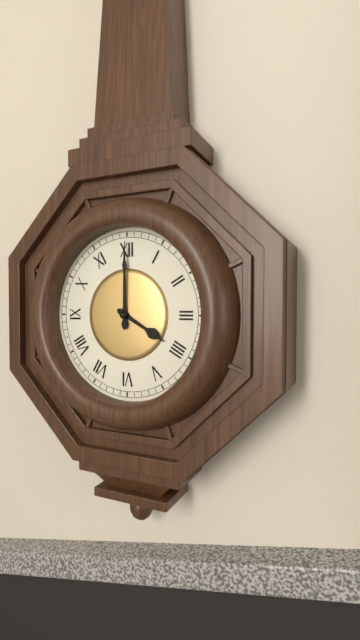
4:00
